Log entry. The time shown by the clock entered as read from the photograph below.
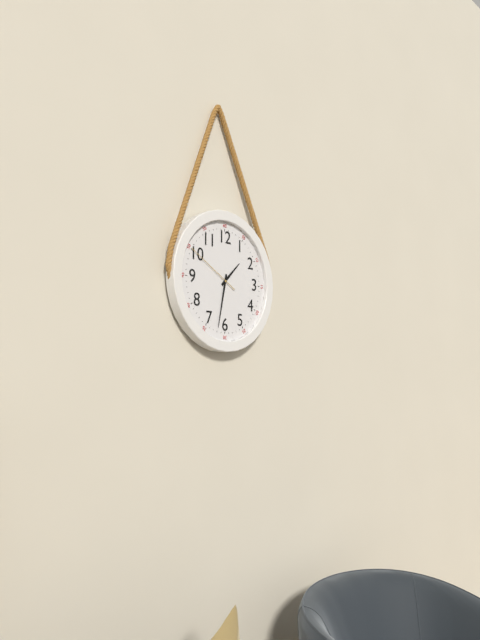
1:32:50
